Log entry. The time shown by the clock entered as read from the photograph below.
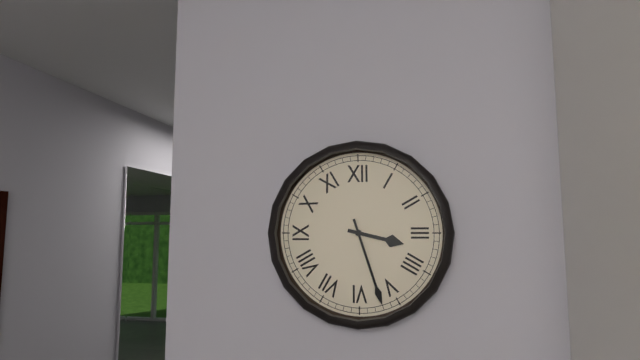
3:27
